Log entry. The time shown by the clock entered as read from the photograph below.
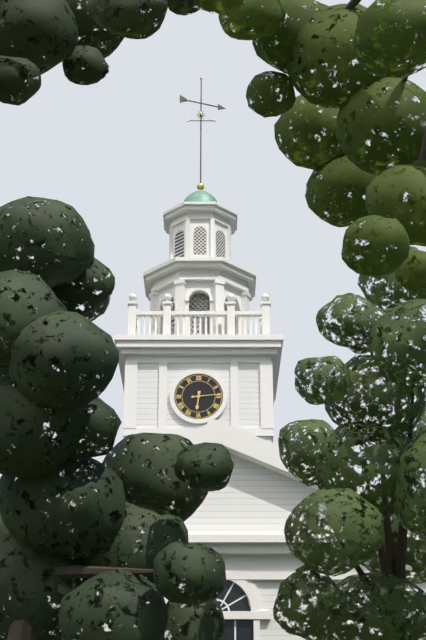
6:14
